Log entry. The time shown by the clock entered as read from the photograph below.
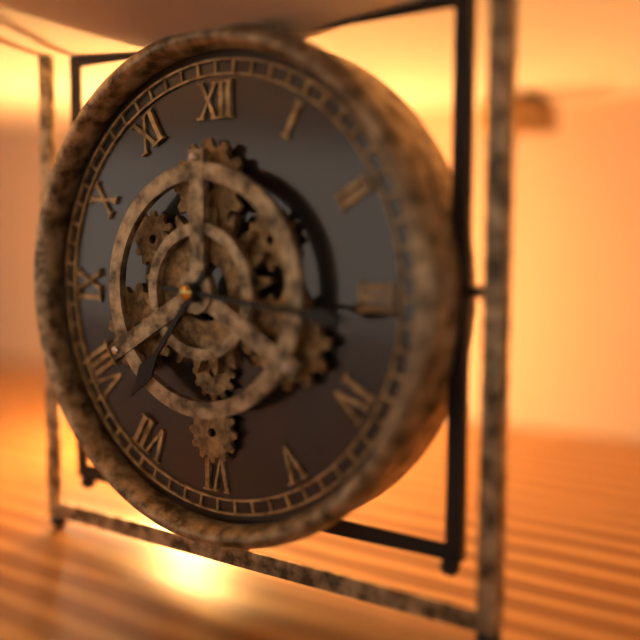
7:16
